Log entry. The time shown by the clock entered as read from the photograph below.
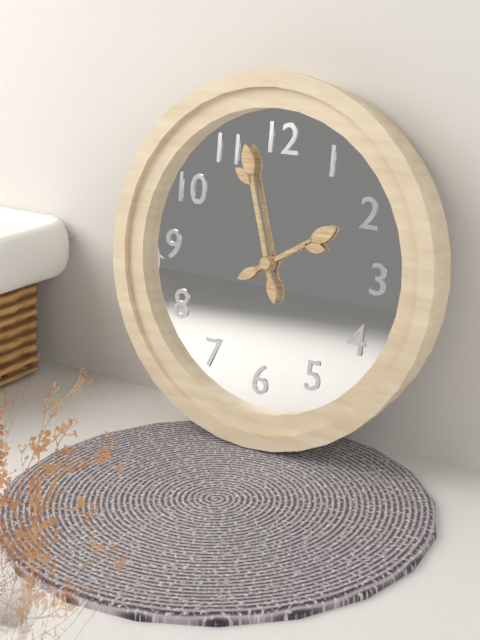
1:57
